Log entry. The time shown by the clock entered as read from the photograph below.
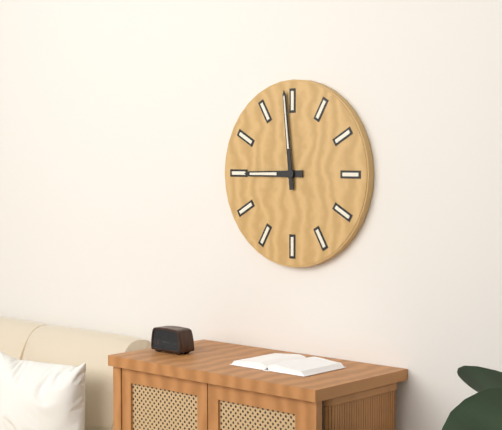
8:59
